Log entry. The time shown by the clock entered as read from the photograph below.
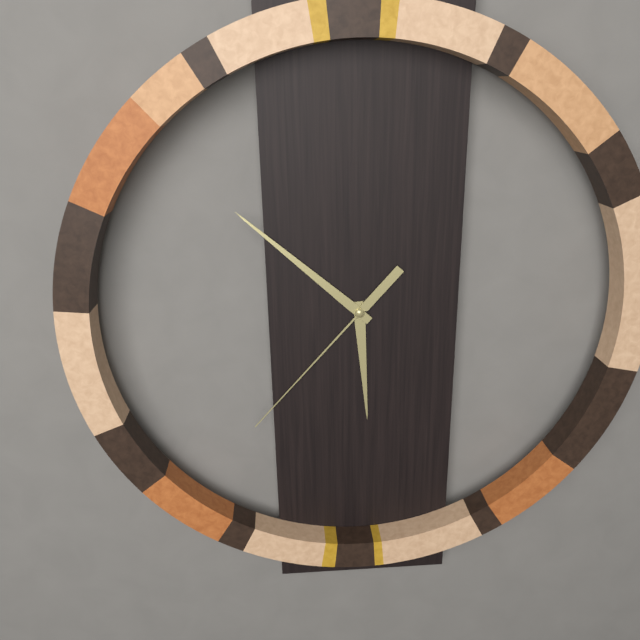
5:52:37
